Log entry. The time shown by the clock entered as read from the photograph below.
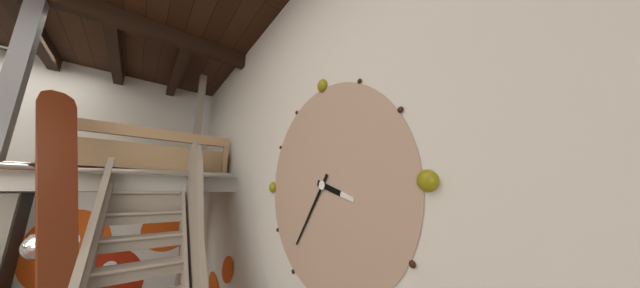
3:36
